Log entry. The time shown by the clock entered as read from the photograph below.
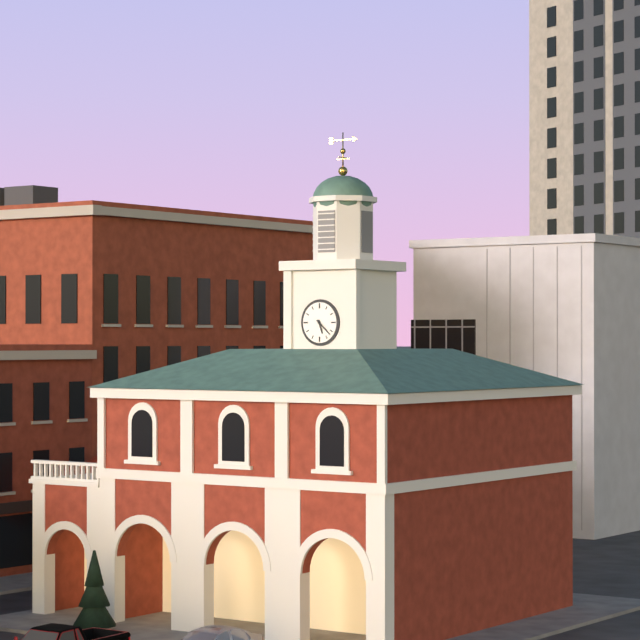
5:22
